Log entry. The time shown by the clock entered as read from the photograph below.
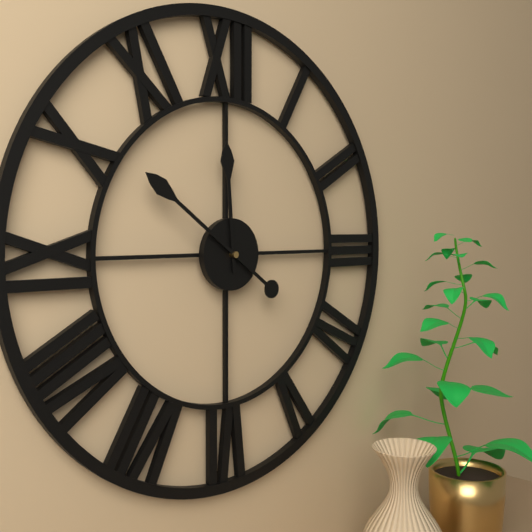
11:51
